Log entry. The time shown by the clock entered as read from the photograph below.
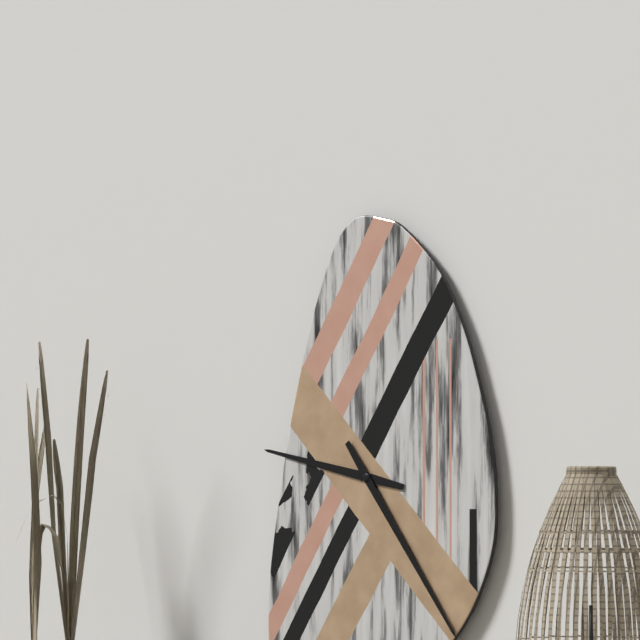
9:24
